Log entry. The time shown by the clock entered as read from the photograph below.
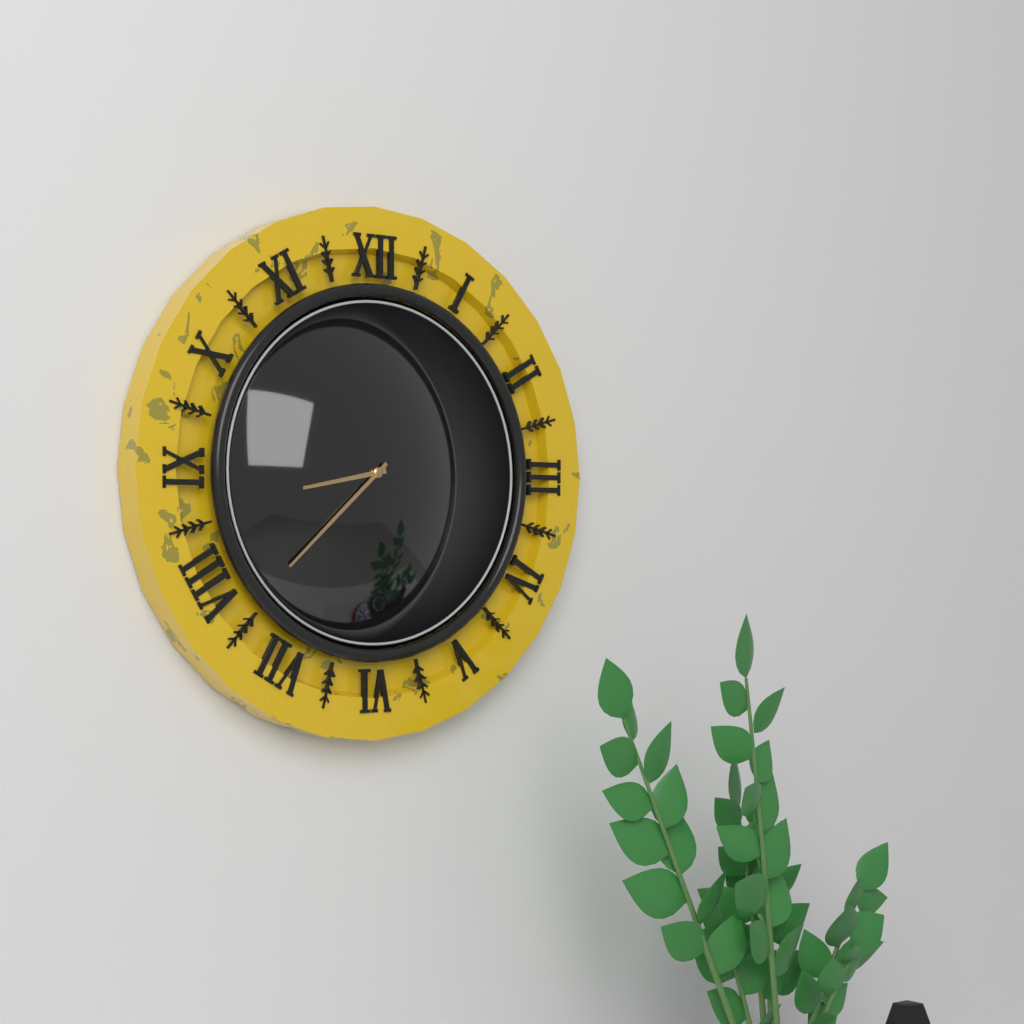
8:38
